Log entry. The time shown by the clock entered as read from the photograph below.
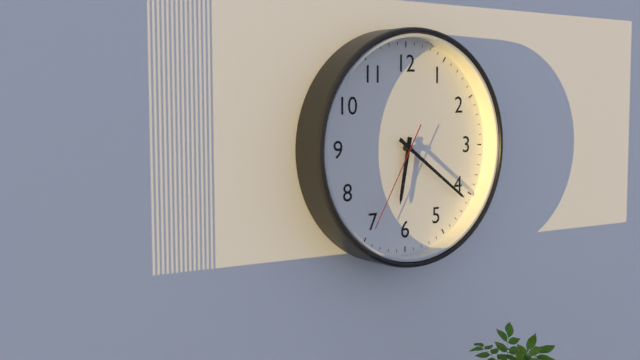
6:21:35
